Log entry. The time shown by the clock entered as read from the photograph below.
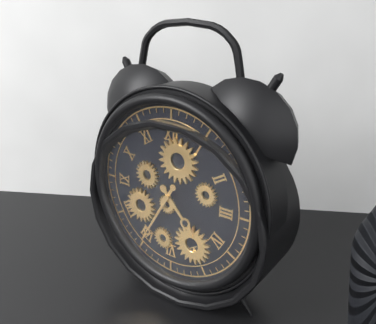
4:35
